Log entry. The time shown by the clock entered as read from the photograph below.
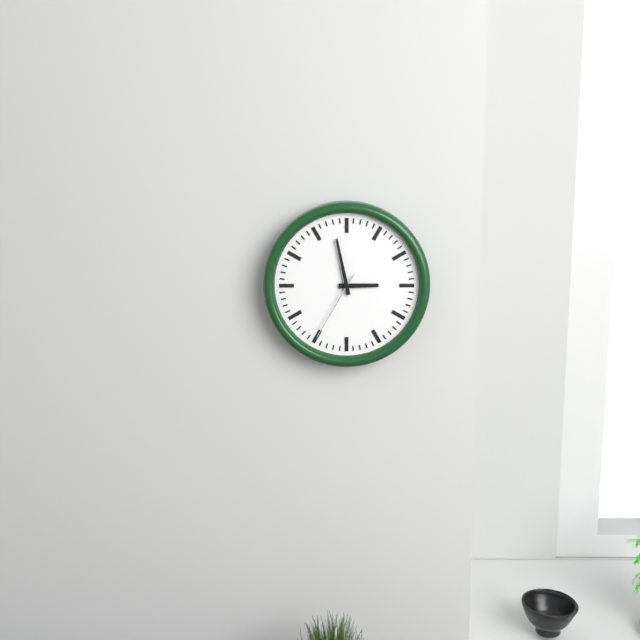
2:58:35
